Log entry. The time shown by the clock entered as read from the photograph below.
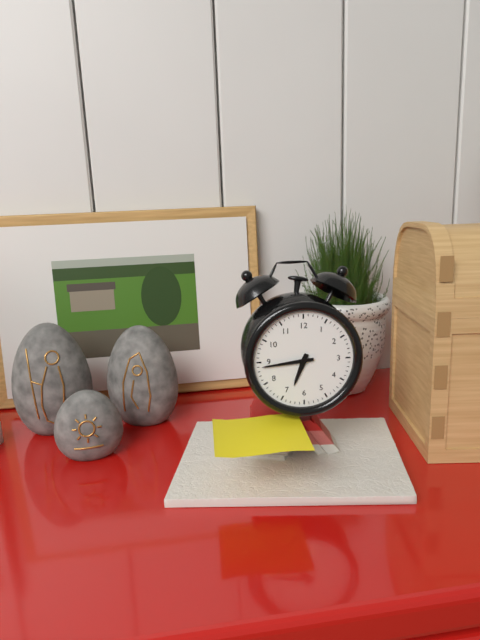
6:44
